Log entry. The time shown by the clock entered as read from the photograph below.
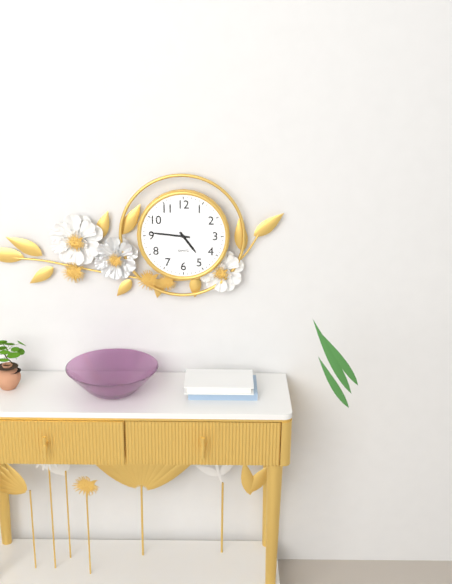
4:46
